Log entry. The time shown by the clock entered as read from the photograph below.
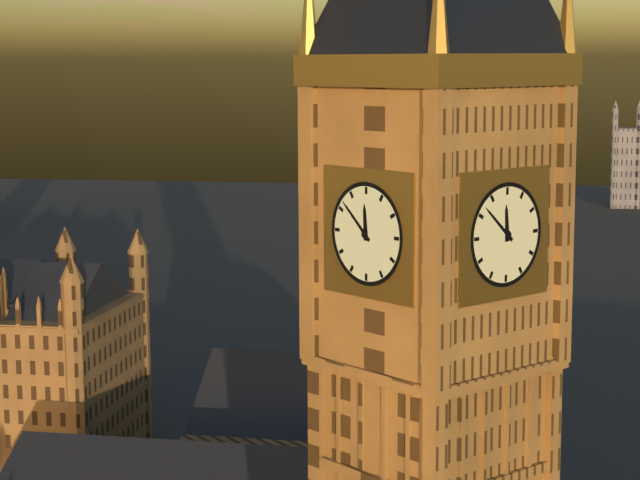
11:52
